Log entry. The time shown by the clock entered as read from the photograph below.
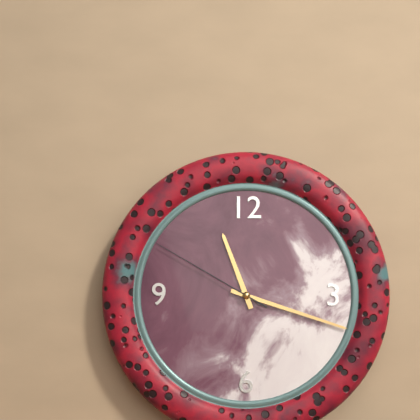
11:18:50
